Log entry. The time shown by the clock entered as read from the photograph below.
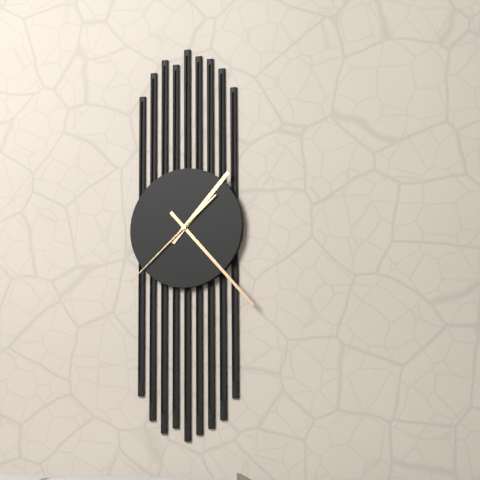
1:23:38
